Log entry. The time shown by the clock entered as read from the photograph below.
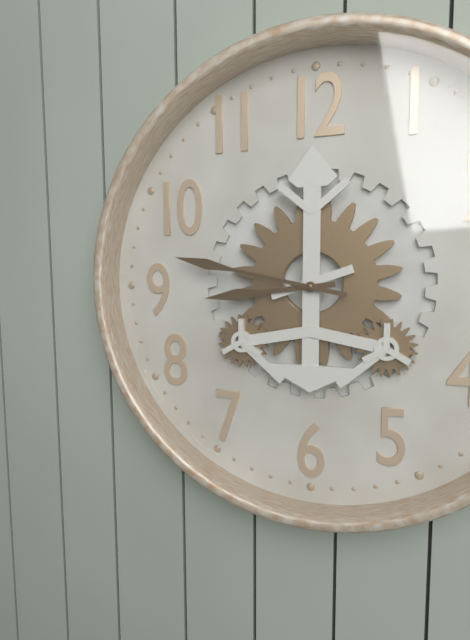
8:47
